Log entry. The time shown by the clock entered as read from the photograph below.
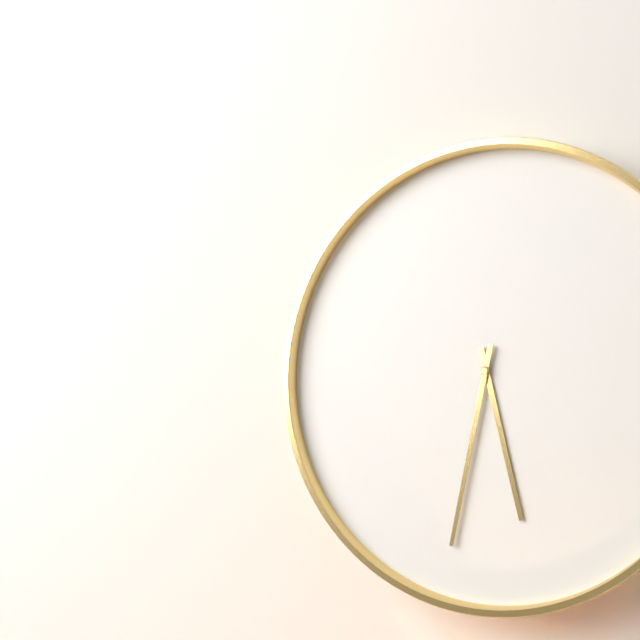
5:32
